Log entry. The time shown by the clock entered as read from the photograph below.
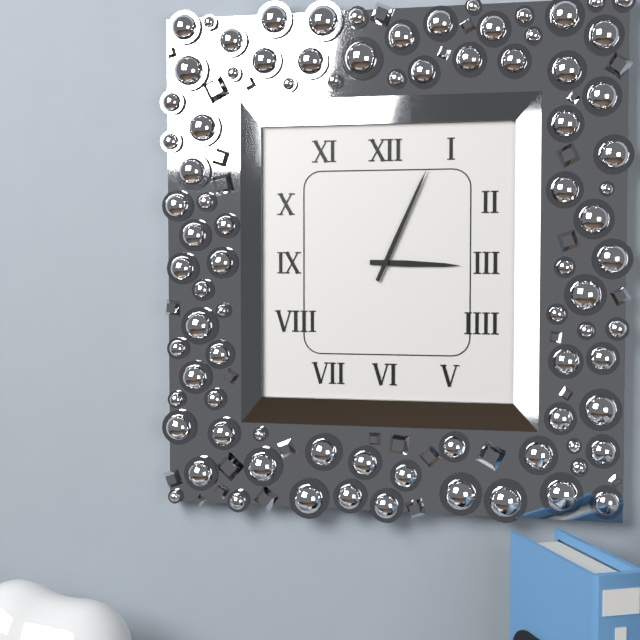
3:04
